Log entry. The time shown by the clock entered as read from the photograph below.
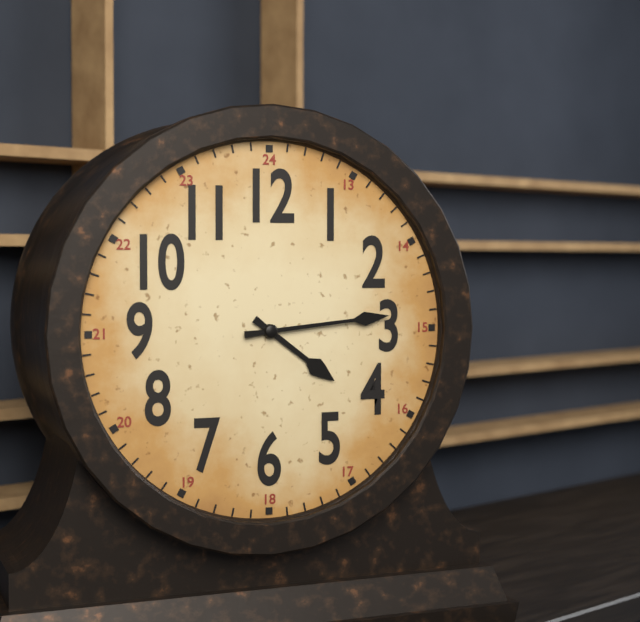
4:14
